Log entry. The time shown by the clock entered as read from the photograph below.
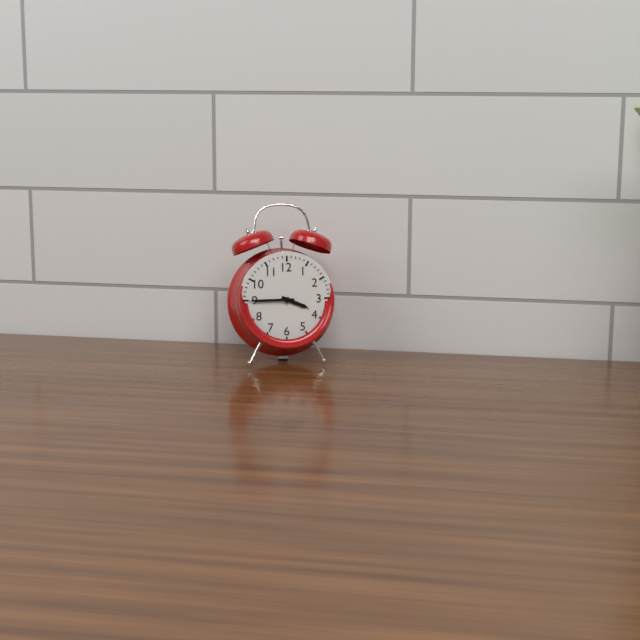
3:45
